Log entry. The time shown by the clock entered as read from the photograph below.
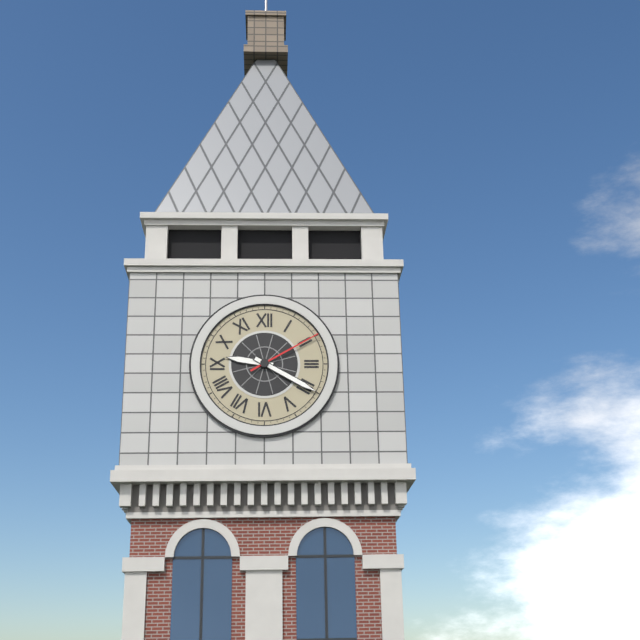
9:20:10
